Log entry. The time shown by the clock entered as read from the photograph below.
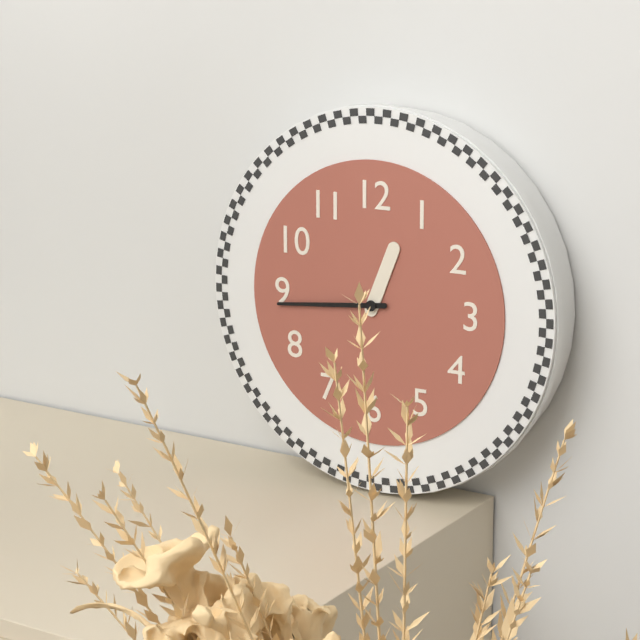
12:44
